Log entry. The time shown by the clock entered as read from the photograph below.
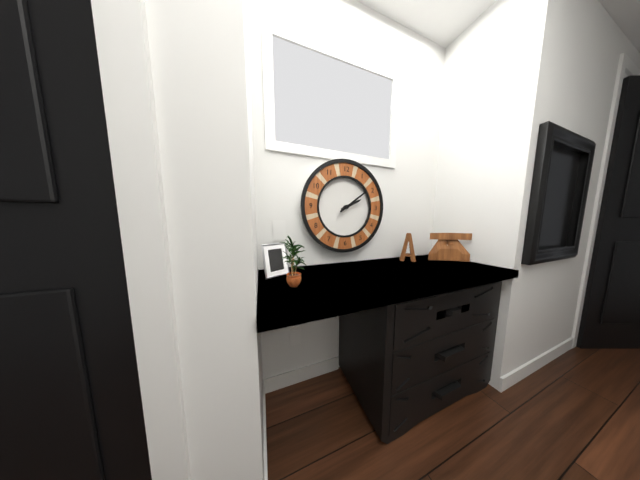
2:09
